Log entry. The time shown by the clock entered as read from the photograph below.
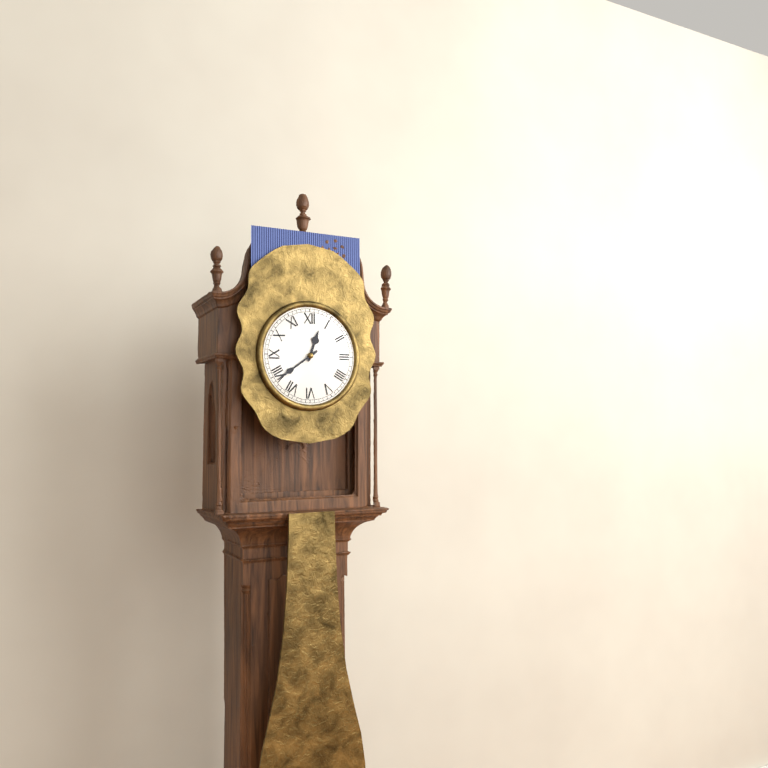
12:39
